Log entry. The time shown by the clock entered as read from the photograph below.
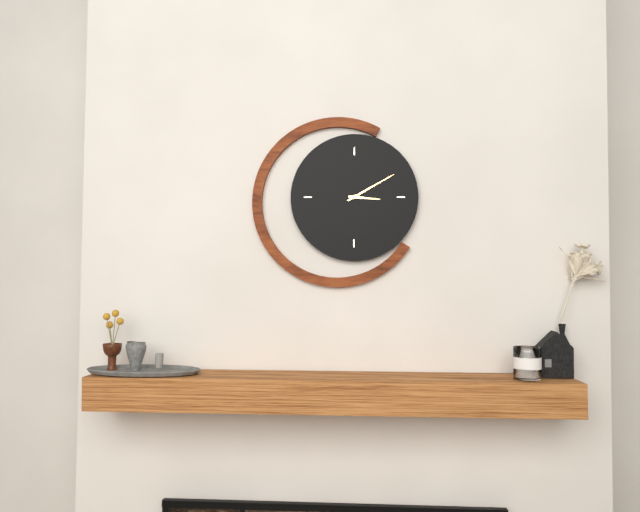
3:10
